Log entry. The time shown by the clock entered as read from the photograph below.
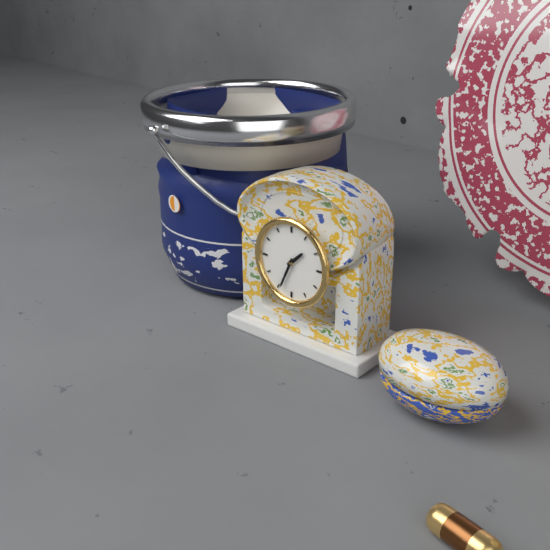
1:34
